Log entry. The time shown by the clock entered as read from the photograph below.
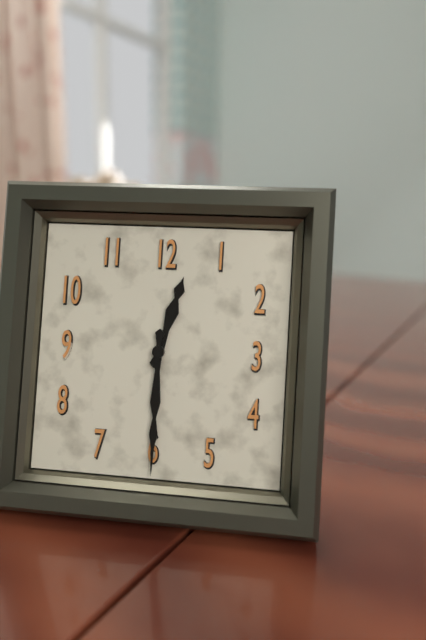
12:30
